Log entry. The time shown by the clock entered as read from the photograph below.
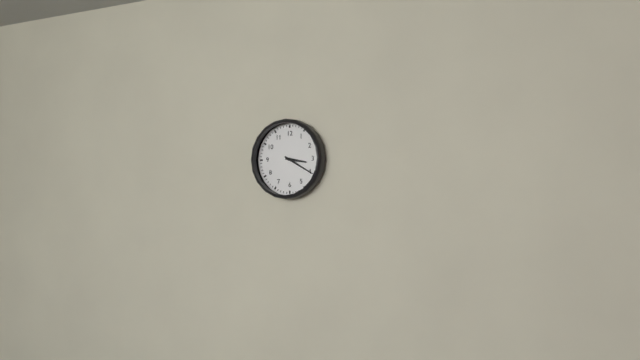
3:20
